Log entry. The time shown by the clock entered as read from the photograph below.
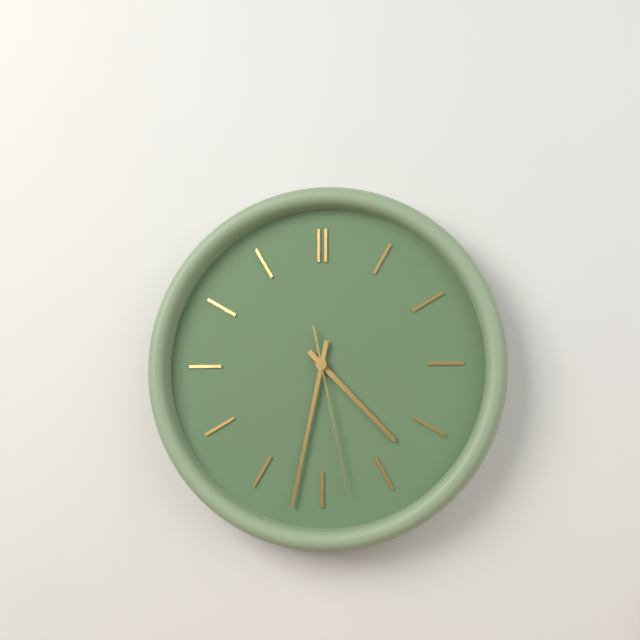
4:32:28
